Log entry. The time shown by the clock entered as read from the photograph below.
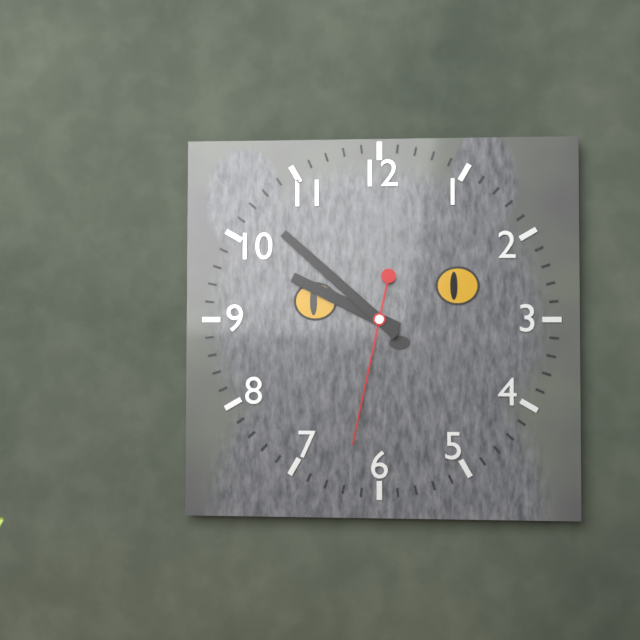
9:52:32
